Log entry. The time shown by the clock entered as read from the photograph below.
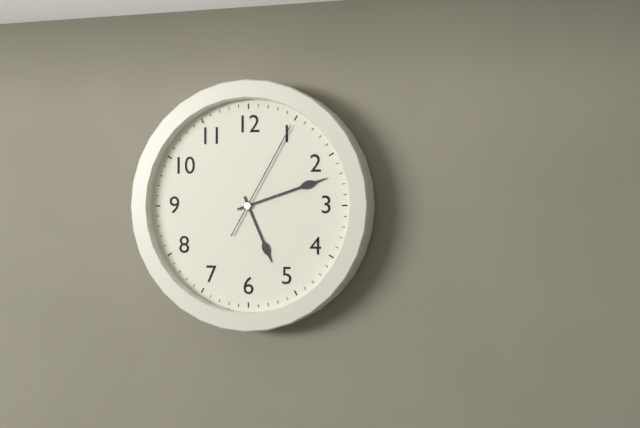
5:12:05
